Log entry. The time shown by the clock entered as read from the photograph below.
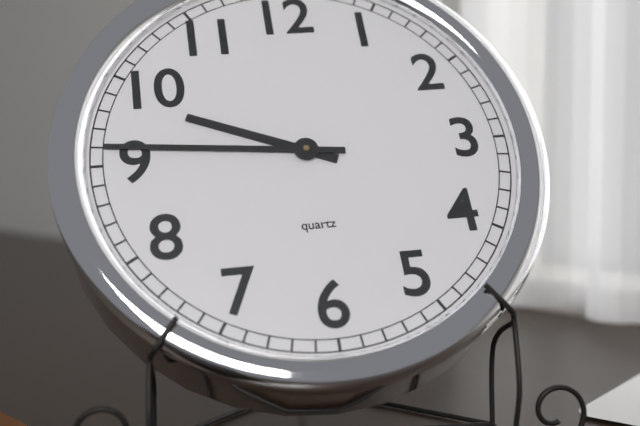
9:46
